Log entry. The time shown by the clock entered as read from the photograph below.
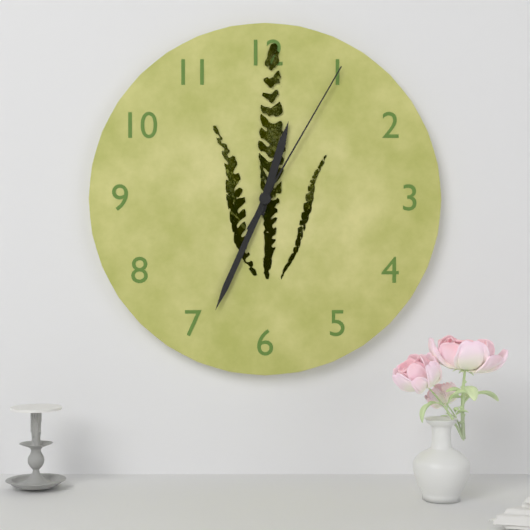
12:34:05
